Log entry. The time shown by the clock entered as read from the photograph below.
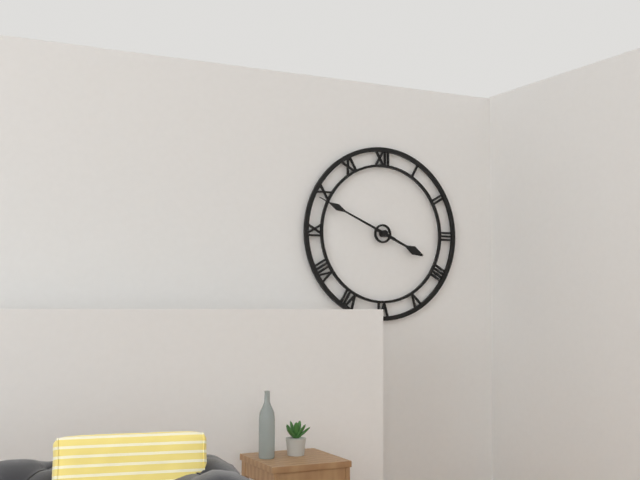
3:49
